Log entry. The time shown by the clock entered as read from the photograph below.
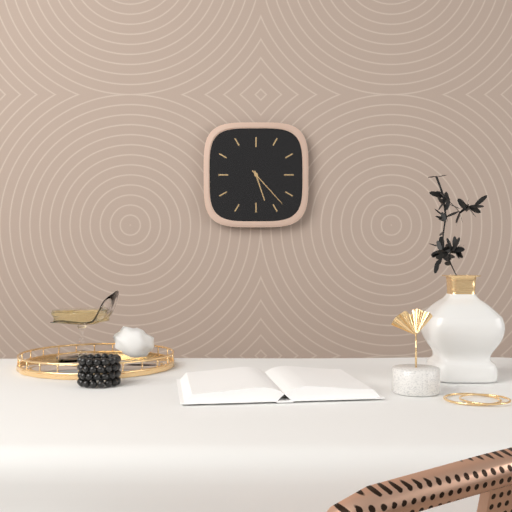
5:23
